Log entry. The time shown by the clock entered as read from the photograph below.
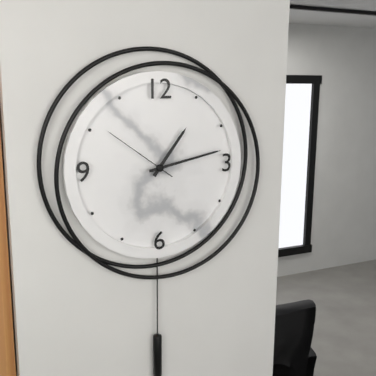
1:13:51
